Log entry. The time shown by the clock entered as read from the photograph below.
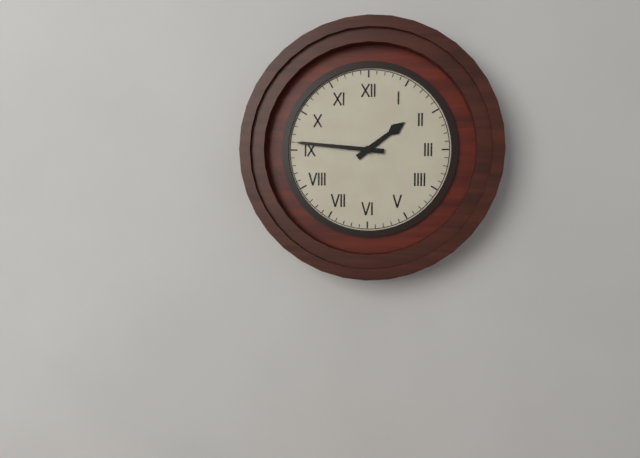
1:46
